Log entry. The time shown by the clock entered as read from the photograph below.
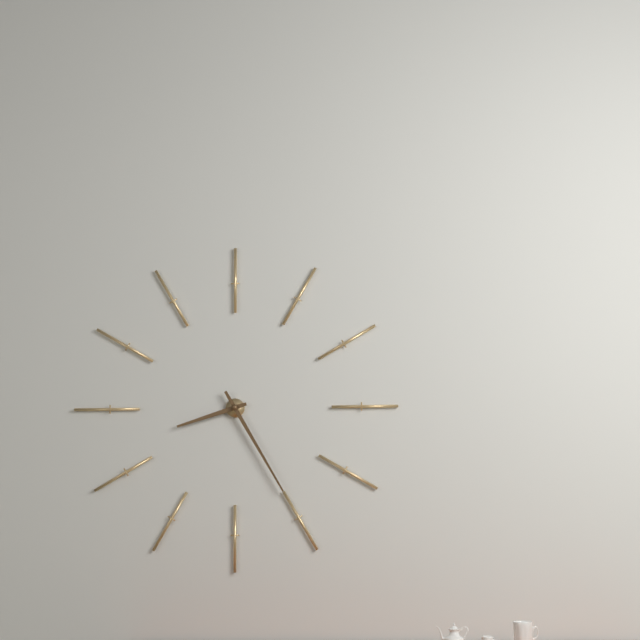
8:25
